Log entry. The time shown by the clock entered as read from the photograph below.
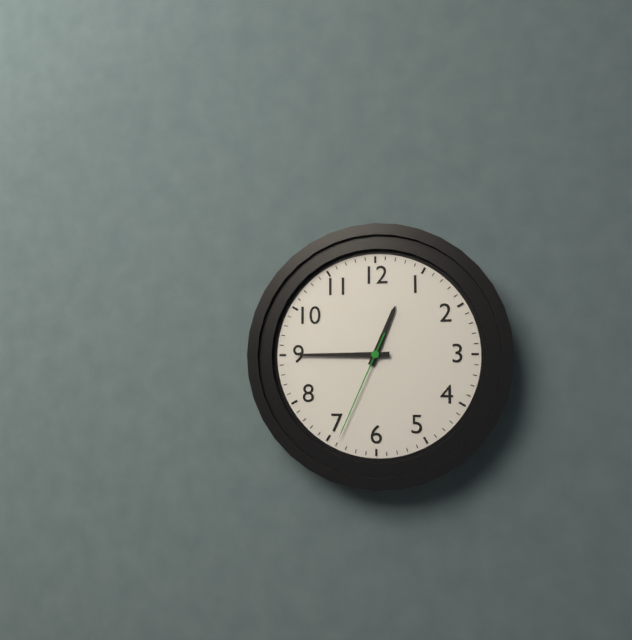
12:45:34
